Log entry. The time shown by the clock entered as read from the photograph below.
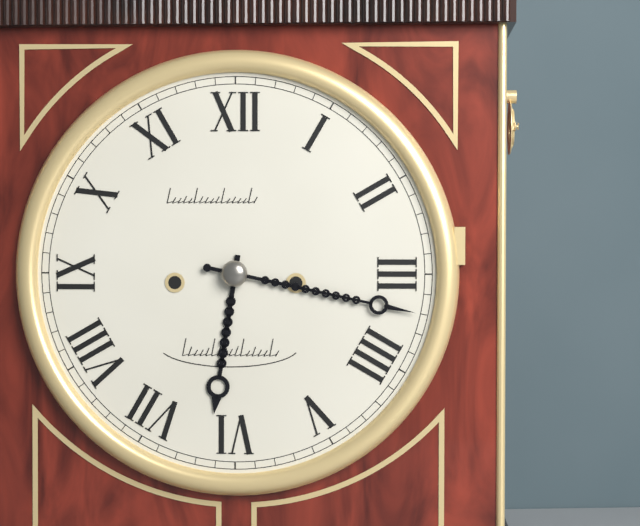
6:17
